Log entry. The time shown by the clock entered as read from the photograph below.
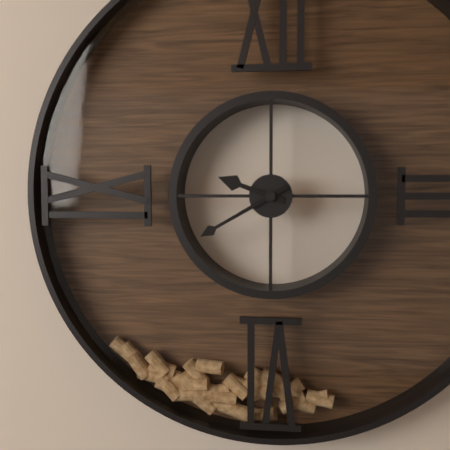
9:40
